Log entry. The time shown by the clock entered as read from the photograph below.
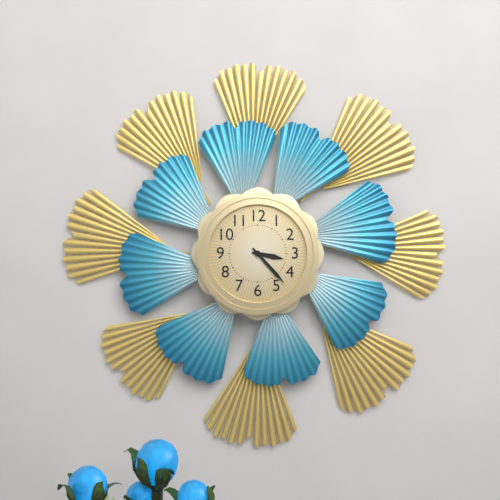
3:23
